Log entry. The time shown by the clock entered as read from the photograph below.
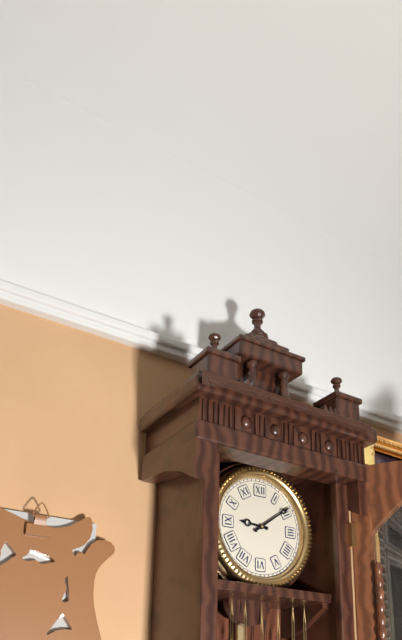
9:09
